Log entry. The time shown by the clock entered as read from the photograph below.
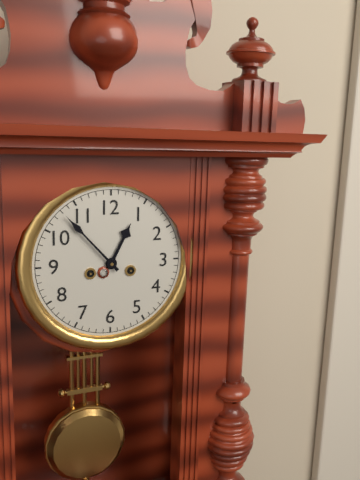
12:53
